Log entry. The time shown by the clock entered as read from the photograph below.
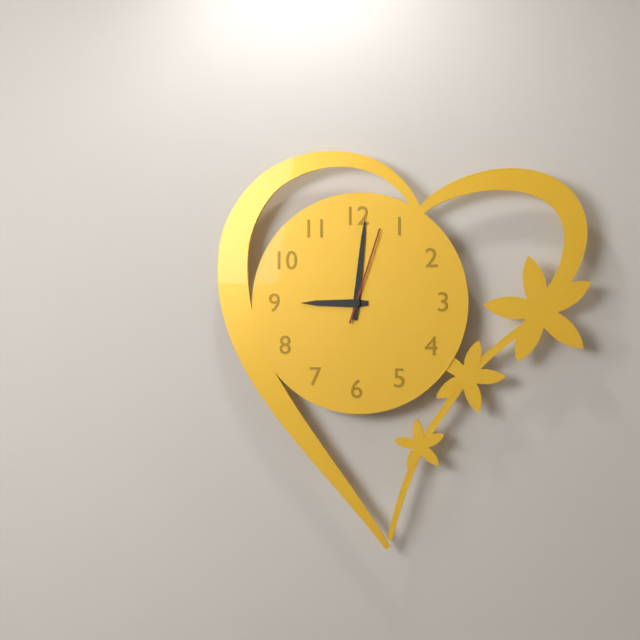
9:01:03
